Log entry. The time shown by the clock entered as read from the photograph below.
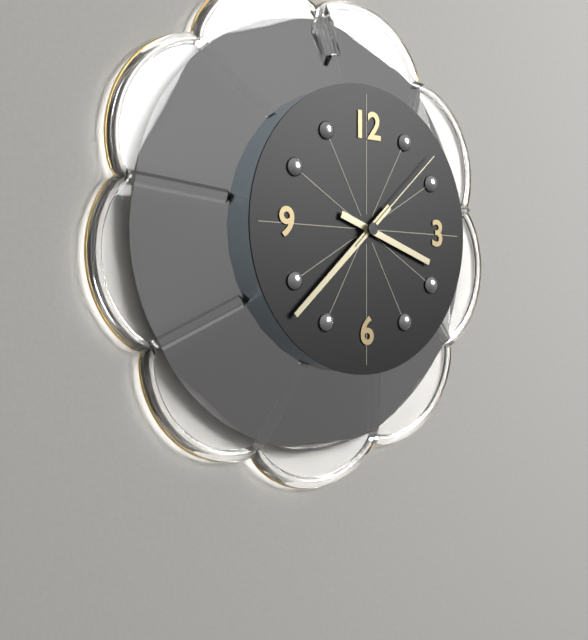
3:38:08
